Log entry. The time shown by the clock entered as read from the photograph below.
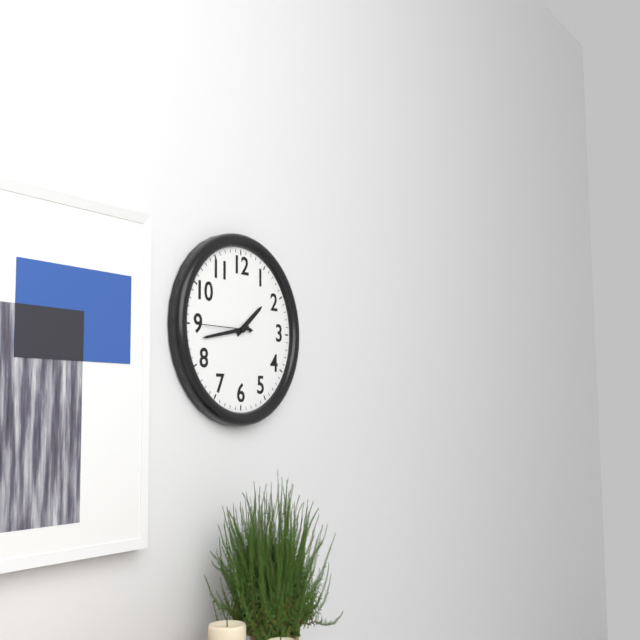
1:43
